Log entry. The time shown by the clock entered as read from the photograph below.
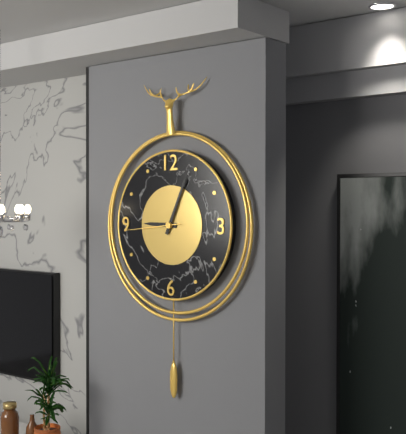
9:04:44
